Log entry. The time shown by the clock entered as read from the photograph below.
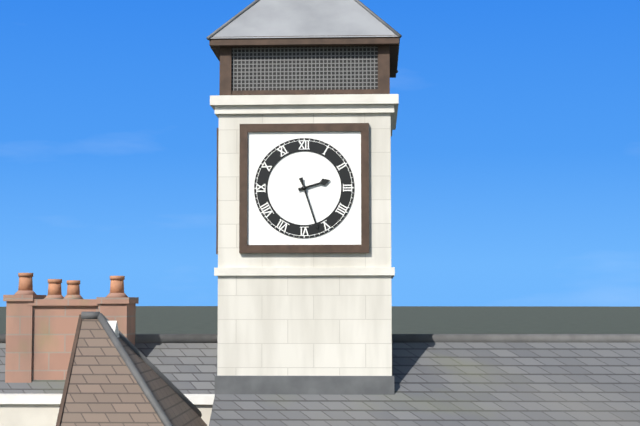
2:27
